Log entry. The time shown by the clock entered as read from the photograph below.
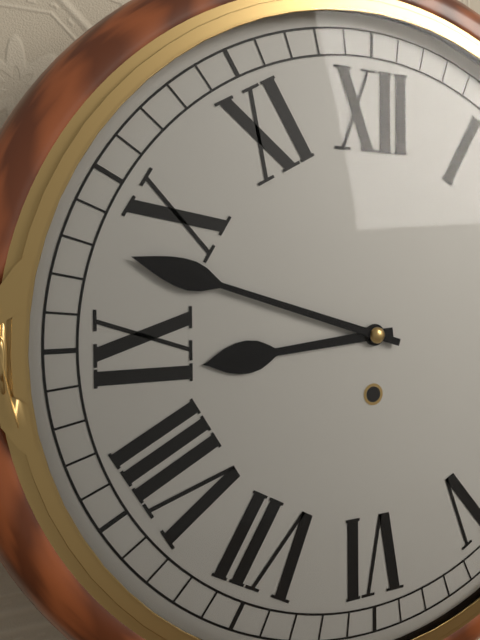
8:48
